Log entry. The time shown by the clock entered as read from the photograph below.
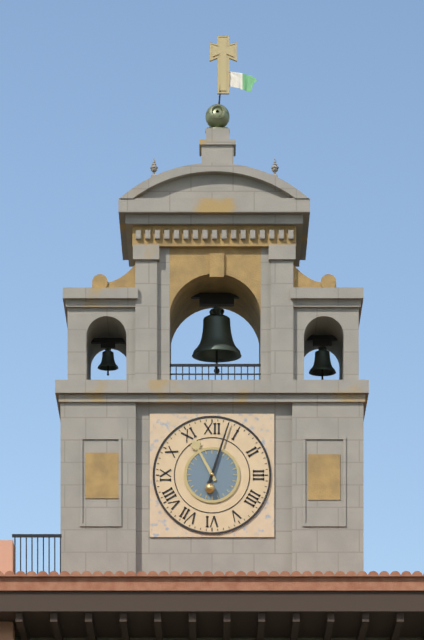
11:03
